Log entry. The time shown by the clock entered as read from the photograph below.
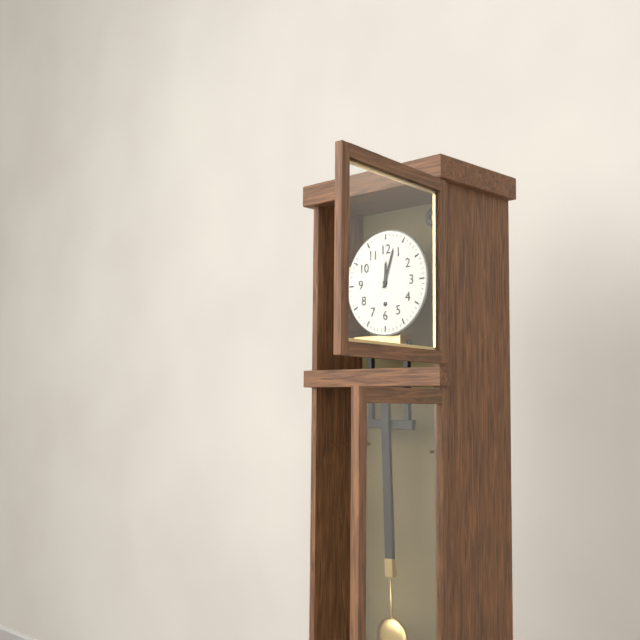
12:03
